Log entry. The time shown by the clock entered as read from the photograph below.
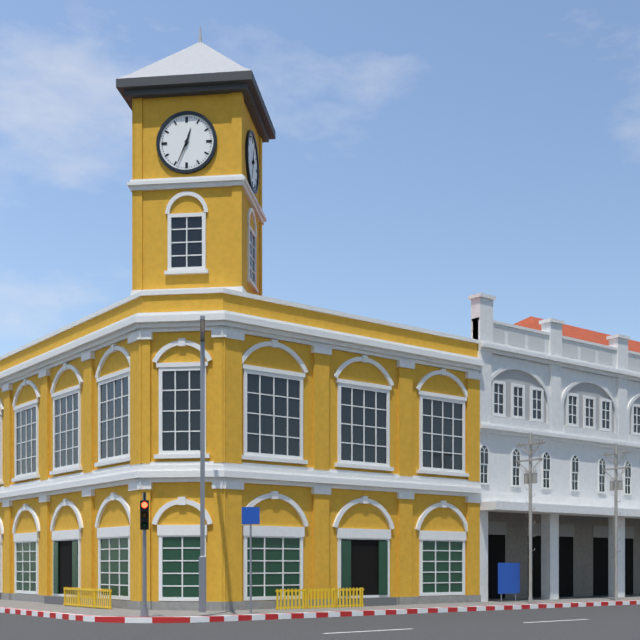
12:34
